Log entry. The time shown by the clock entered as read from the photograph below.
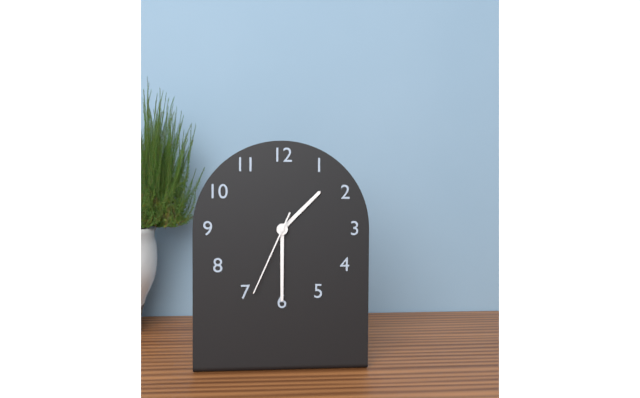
1:30:34
